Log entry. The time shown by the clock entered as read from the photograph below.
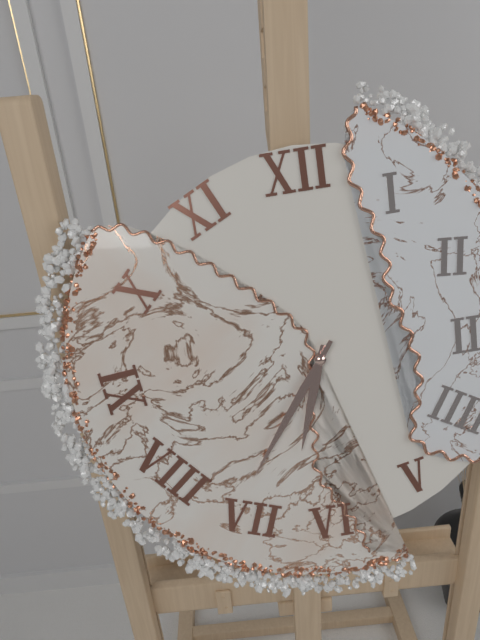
6:36
